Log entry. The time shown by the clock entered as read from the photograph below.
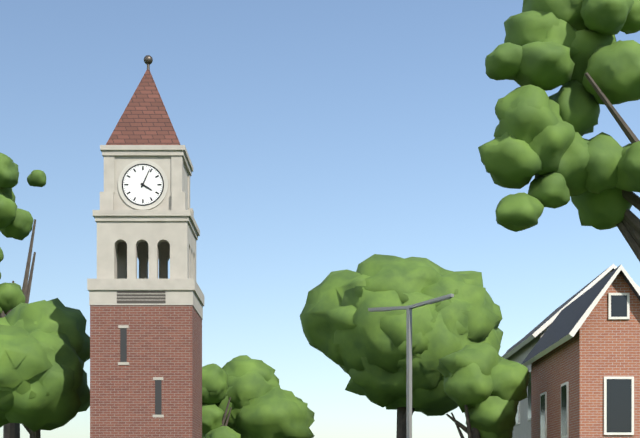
4:04
